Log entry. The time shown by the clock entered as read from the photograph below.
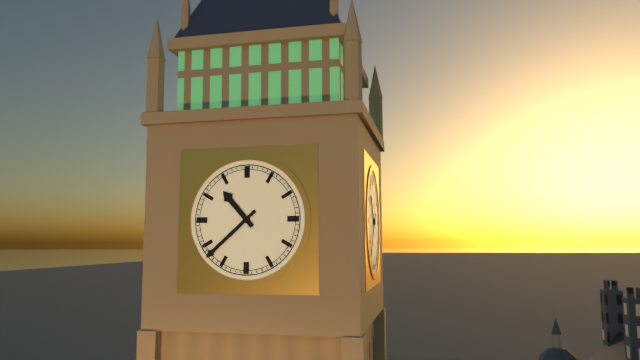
10:38
